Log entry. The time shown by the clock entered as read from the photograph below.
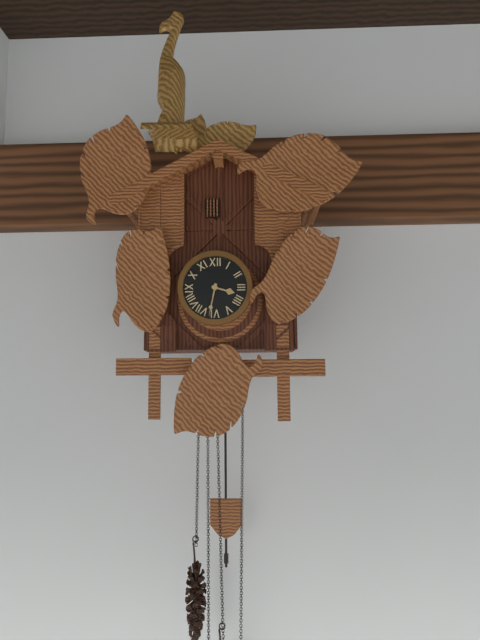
3:32
